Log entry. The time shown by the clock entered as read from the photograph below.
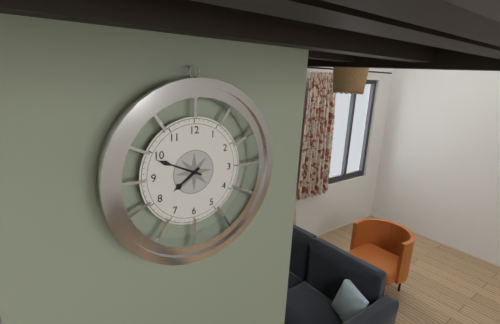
7:49
